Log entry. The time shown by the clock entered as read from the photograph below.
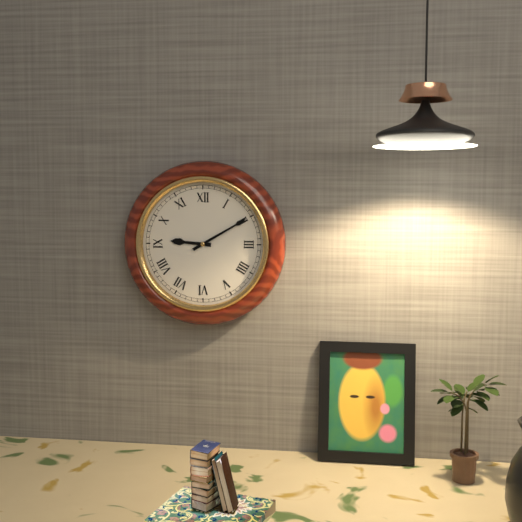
9:10
